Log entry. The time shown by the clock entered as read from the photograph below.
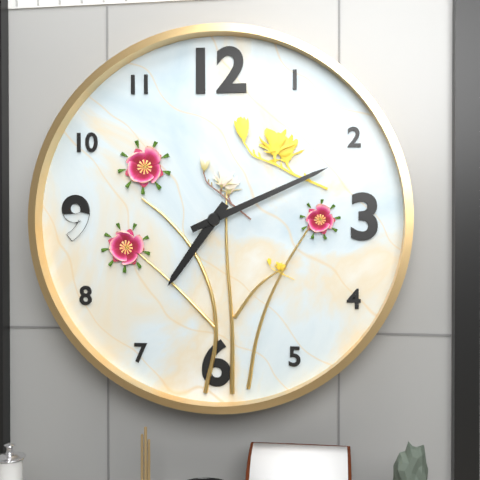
7:11
